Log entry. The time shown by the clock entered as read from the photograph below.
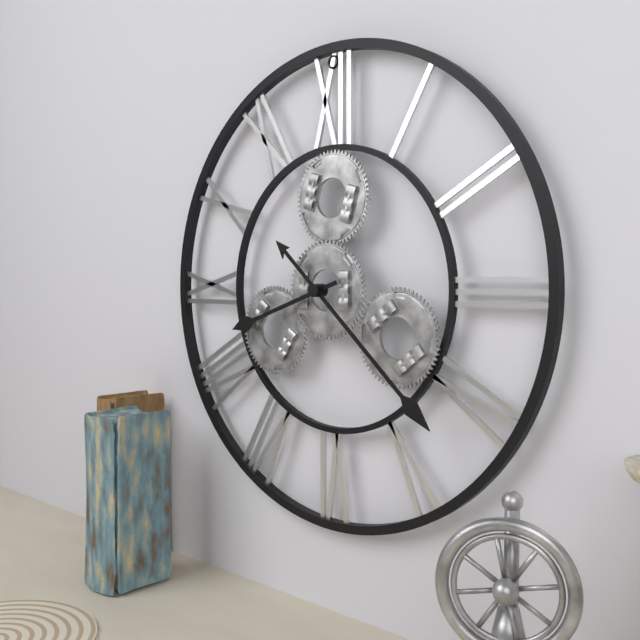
8:22
